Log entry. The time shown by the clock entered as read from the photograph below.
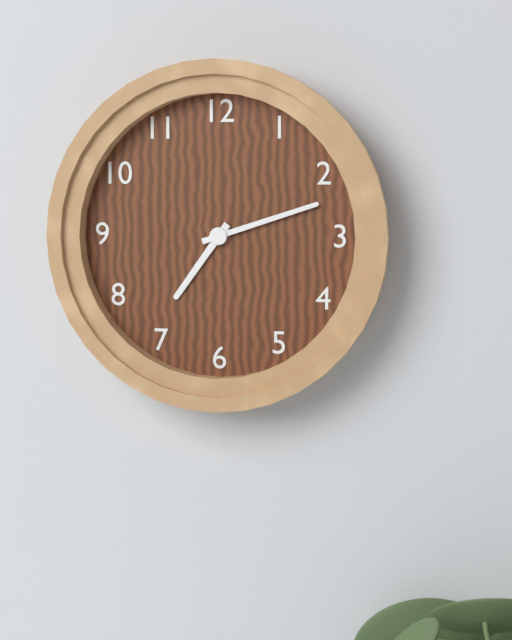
7:12
